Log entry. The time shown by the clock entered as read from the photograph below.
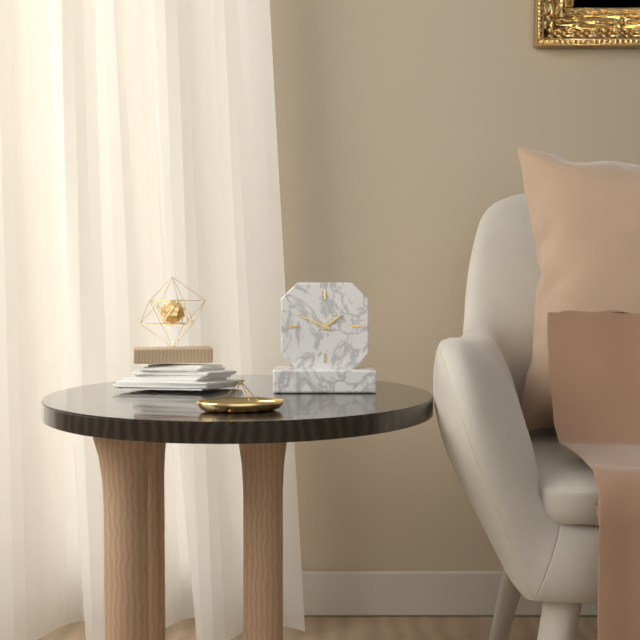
1:49
